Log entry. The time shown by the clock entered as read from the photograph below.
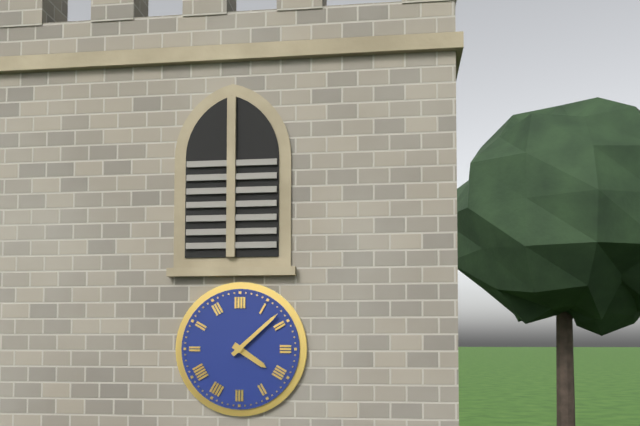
4:08
